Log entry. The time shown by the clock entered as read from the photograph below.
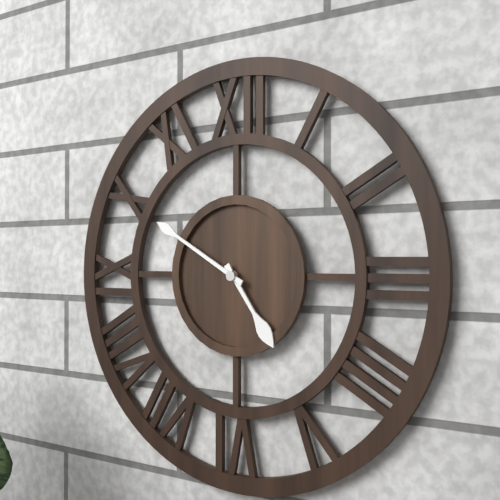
4:50
